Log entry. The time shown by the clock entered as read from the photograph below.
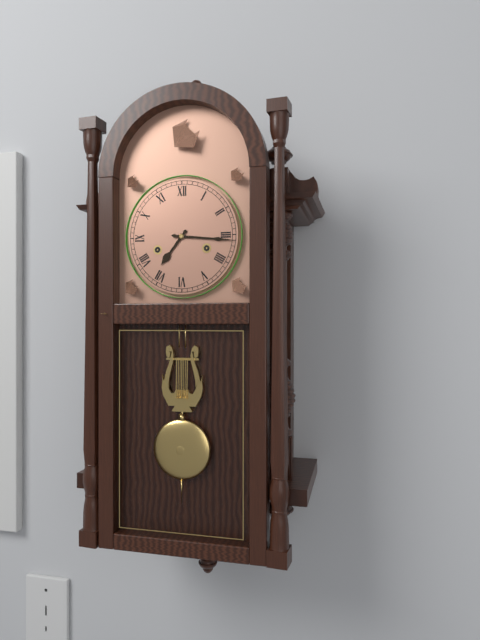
7:16
